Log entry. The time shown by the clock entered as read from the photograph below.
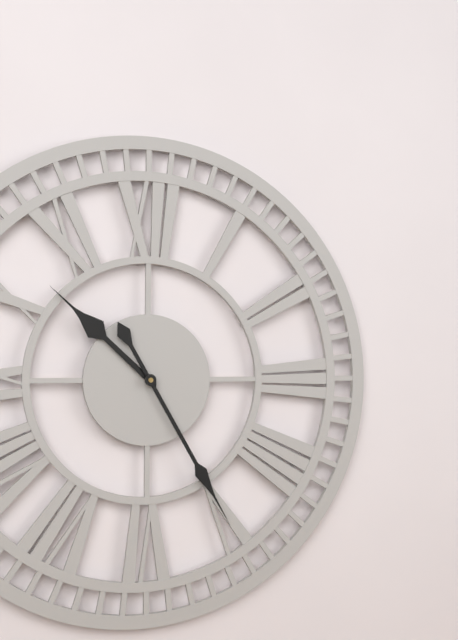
10:25
